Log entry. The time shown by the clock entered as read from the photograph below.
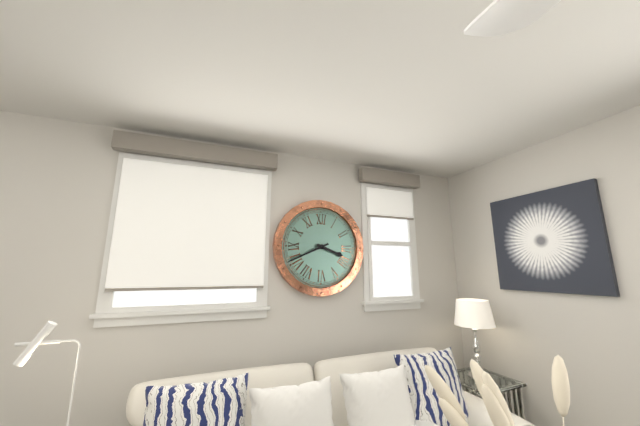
3:41
